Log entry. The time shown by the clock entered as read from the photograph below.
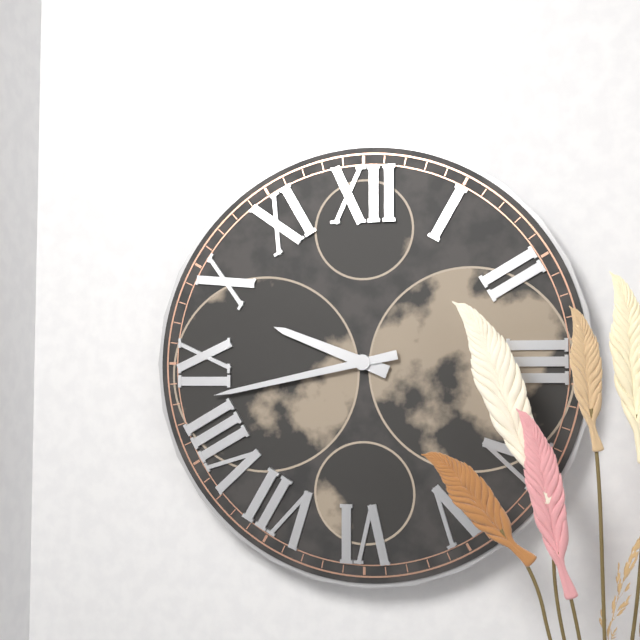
9:43
